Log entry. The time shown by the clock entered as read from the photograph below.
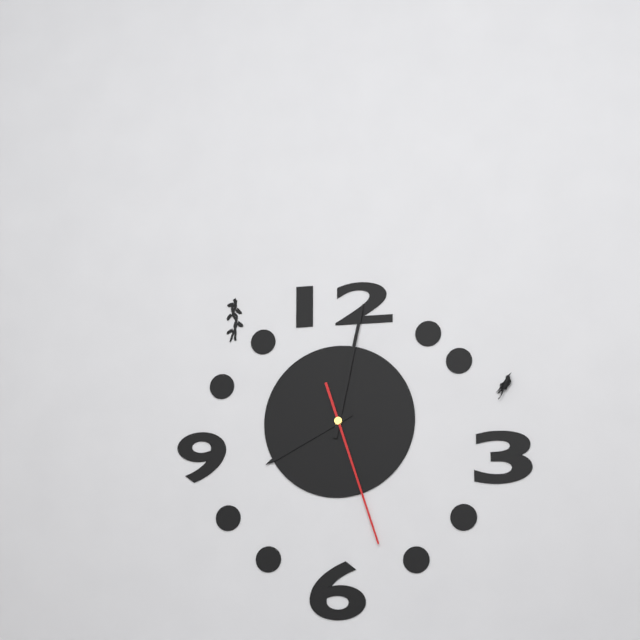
8:02:27
